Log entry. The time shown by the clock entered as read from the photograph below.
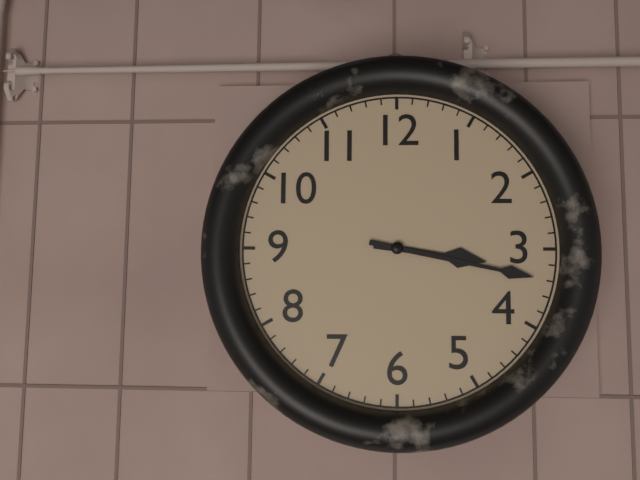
3:17
